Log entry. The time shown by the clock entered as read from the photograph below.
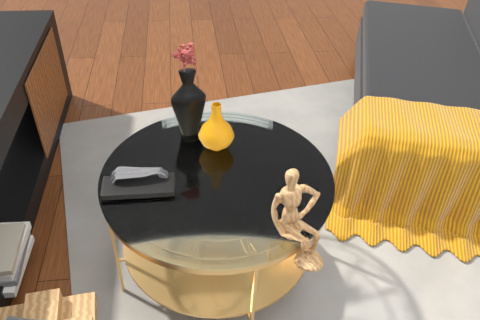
12:07
